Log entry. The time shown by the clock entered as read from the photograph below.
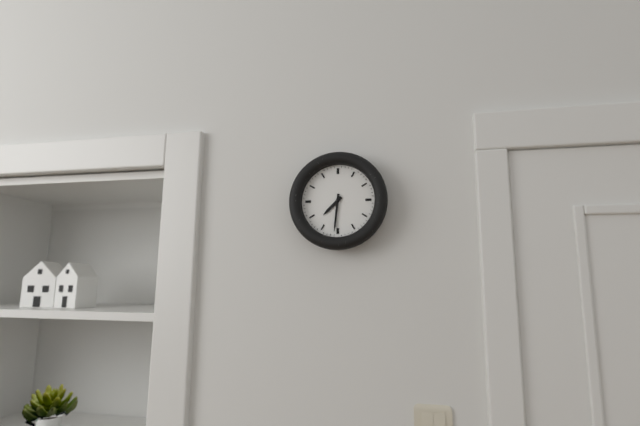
7:31
